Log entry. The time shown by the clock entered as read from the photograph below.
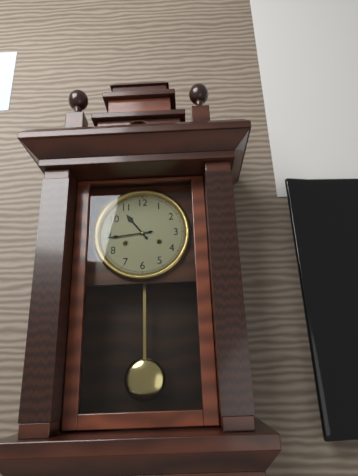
10:44
